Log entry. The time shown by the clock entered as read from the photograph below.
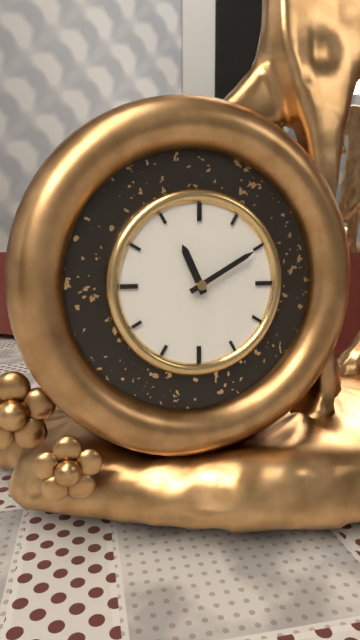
11:10
